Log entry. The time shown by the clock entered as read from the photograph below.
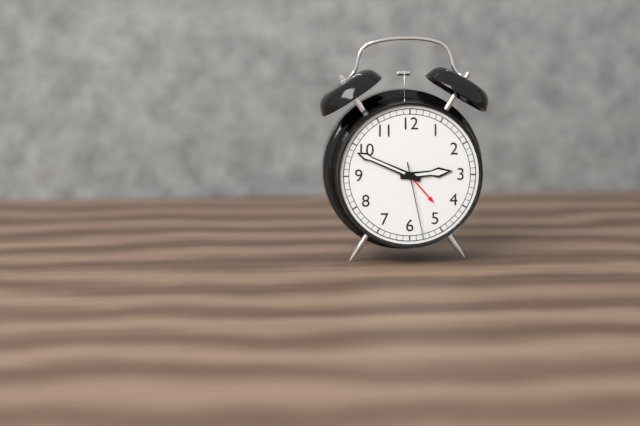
2:49:28
